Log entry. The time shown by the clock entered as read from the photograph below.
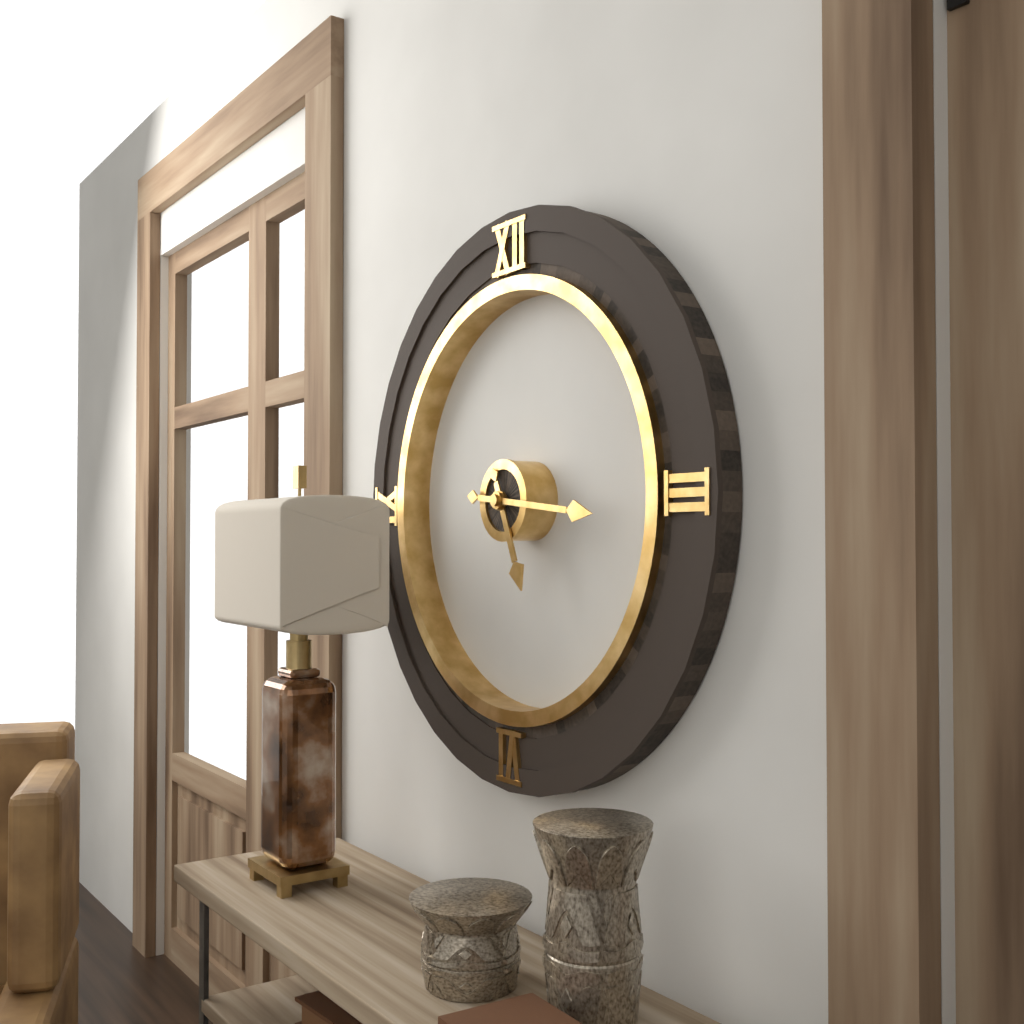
5:16
